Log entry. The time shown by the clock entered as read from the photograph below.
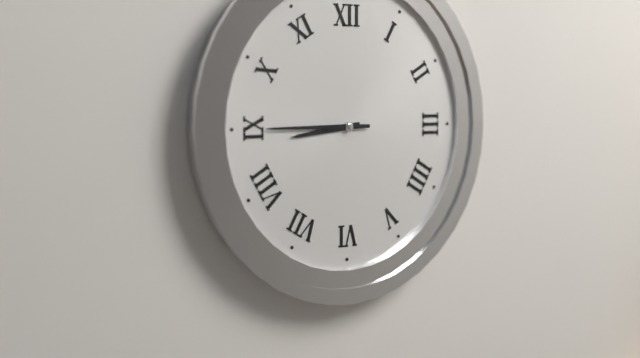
8:45
